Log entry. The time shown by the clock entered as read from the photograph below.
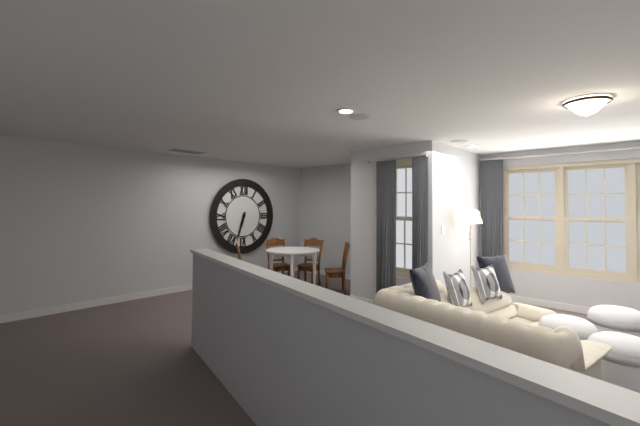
6:33
